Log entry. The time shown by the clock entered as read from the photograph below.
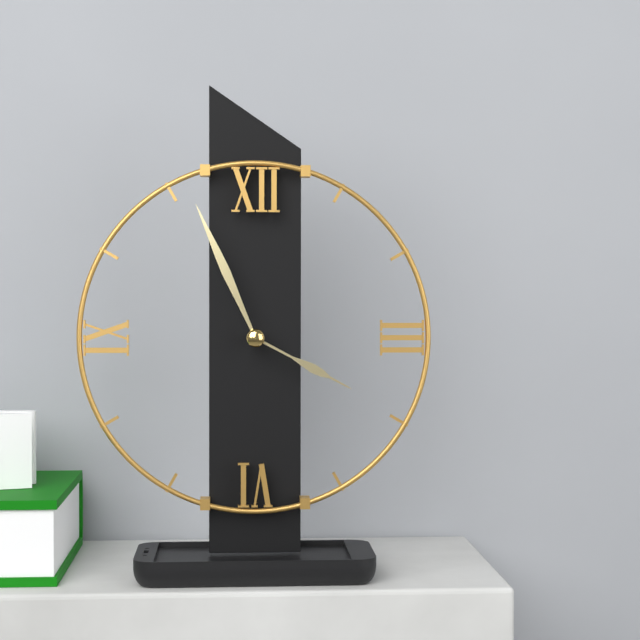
3:56
